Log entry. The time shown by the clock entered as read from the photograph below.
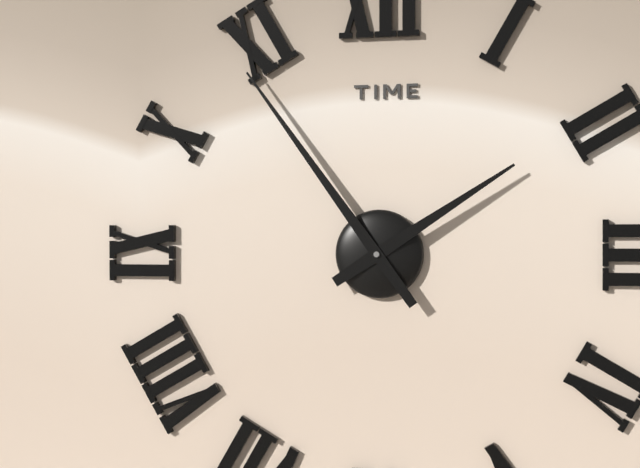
1:54
